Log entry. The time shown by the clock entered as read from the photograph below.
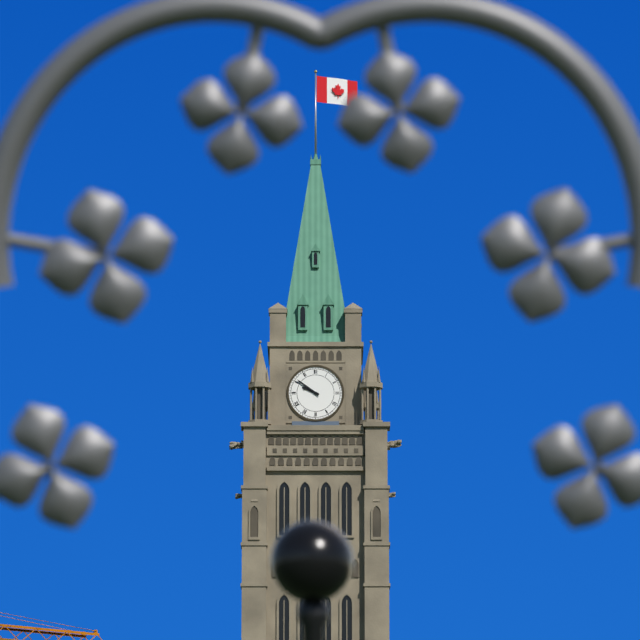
9:51
